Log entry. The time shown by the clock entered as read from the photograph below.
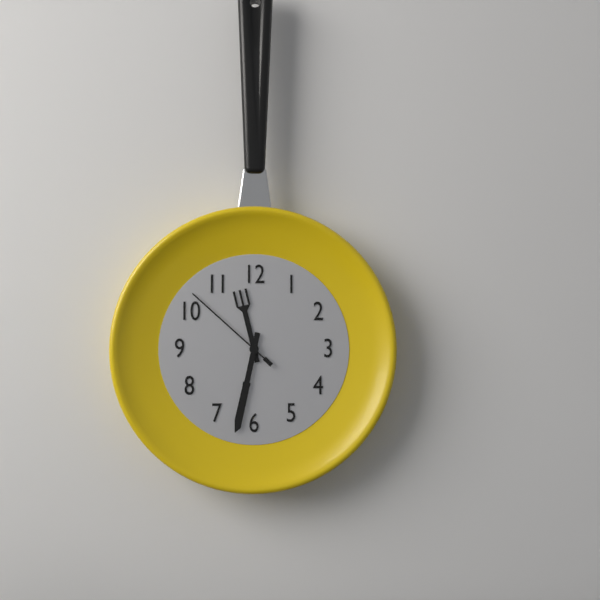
11:32:52
